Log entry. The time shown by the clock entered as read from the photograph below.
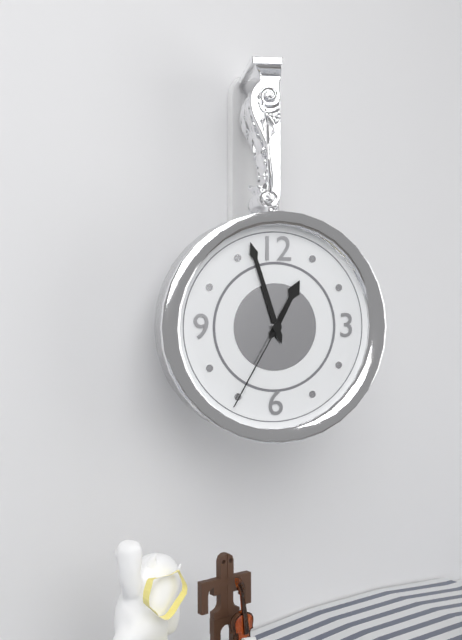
12:57:35
